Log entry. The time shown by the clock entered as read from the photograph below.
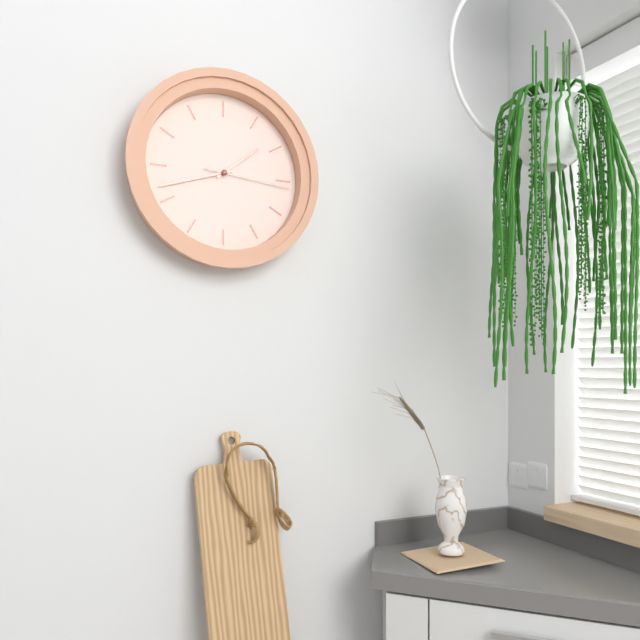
1:42:16
